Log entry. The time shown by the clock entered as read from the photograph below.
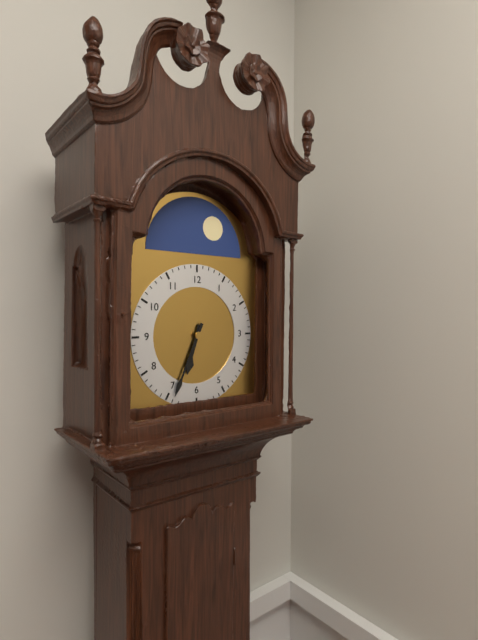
6:34
